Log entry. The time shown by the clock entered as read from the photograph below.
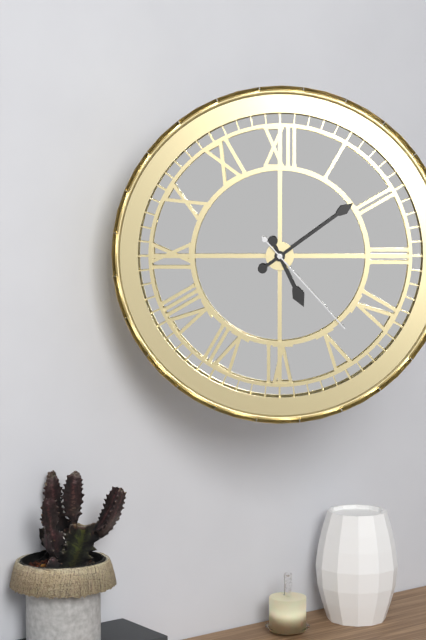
5:09:23
